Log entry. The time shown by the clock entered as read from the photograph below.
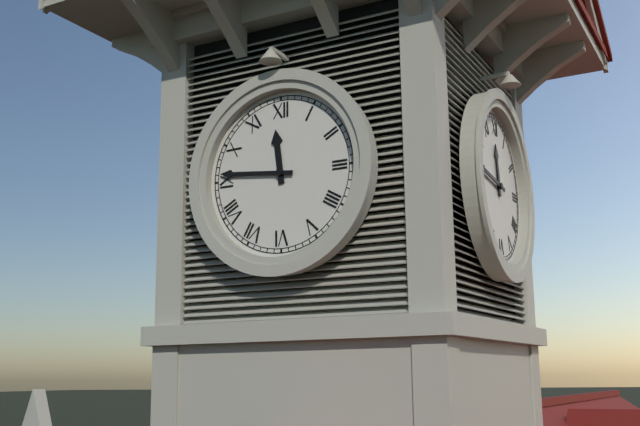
11:46
